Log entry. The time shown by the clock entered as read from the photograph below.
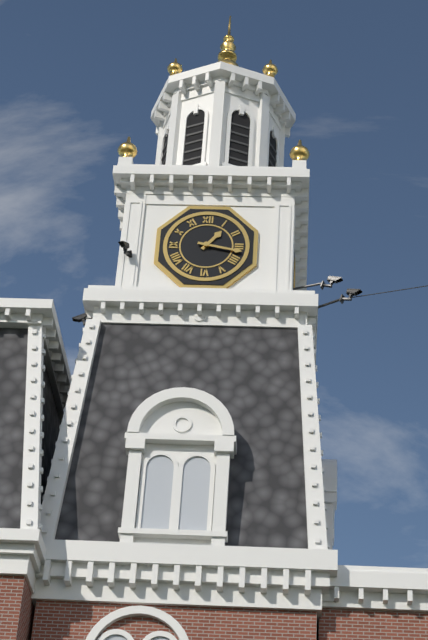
1:17
